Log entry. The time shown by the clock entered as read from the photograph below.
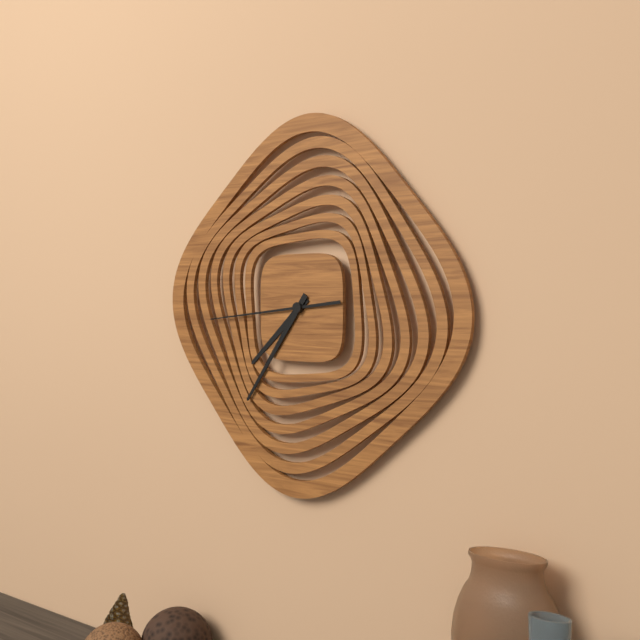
7:36:44
